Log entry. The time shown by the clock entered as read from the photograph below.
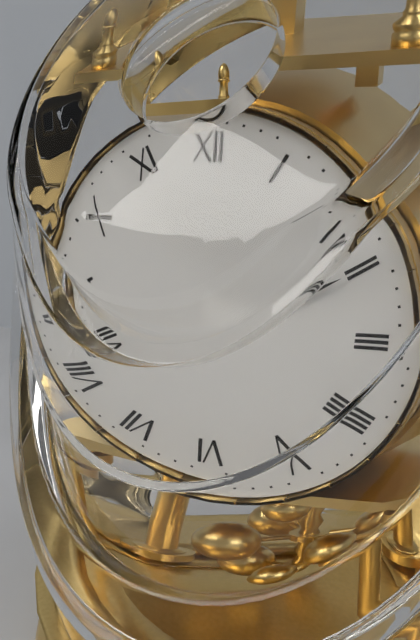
8:10
